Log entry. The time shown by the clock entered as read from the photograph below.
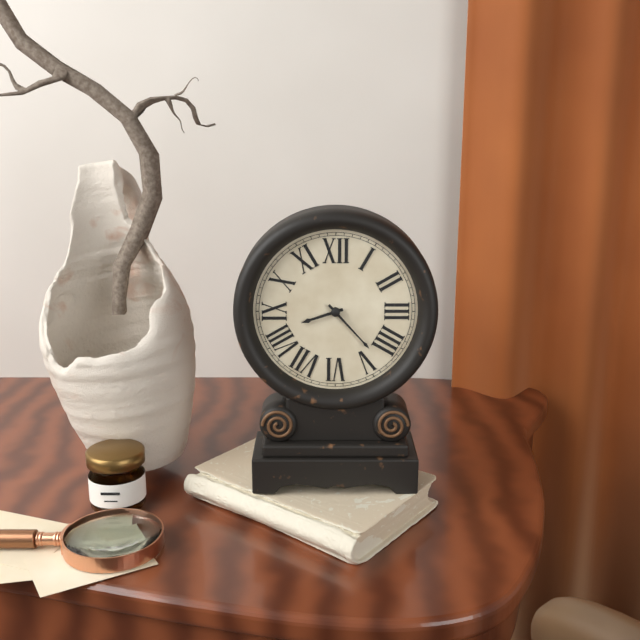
8:23
